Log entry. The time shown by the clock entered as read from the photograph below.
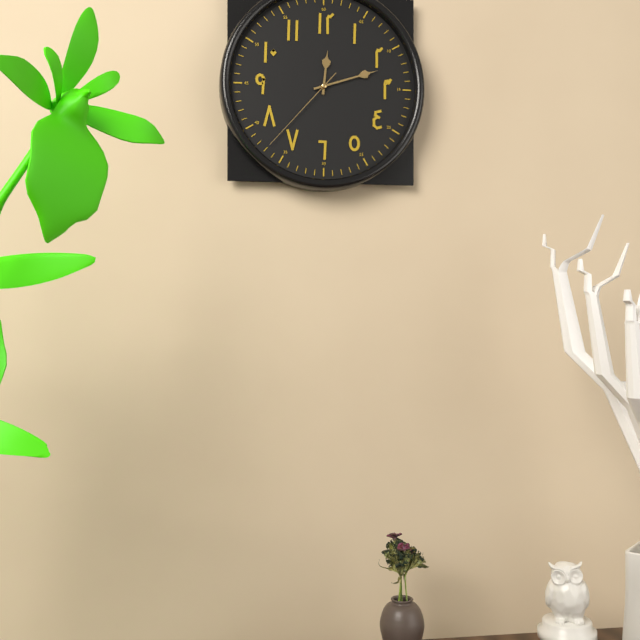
12:12:37
